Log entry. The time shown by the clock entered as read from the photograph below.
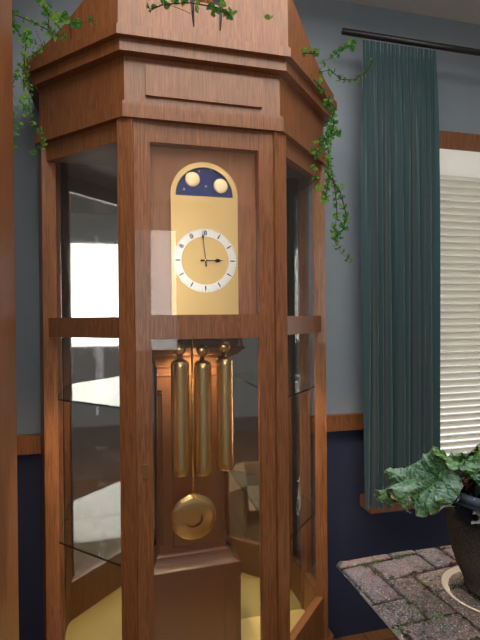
2:59
